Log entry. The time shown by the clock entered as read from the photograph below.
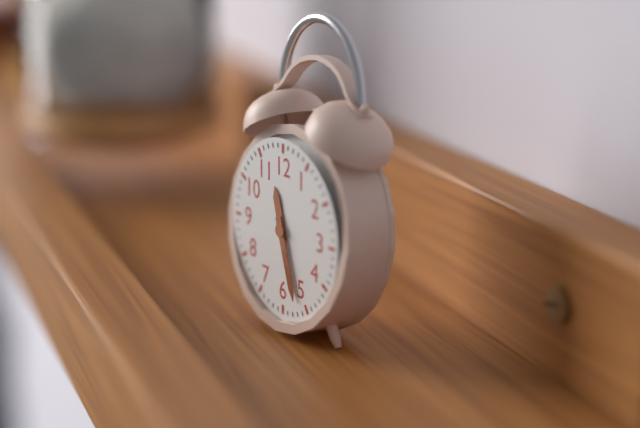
11:27
